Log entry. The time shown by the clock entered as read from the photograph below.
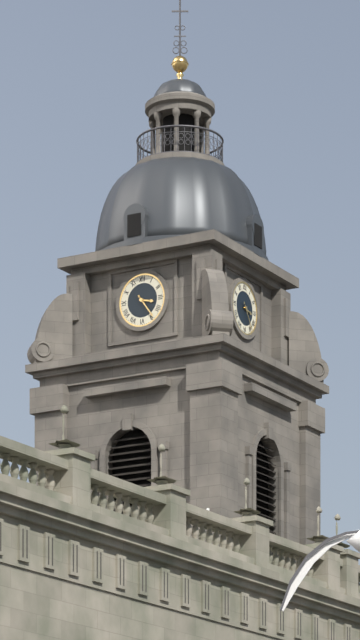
3:24
